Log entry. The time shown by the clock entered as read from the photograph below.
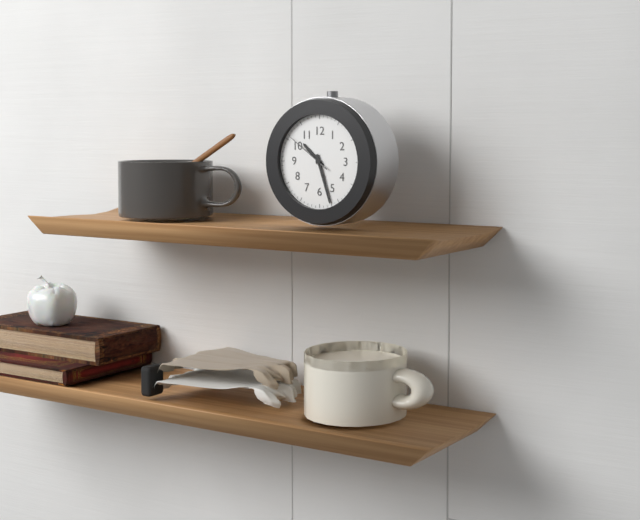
10:27
